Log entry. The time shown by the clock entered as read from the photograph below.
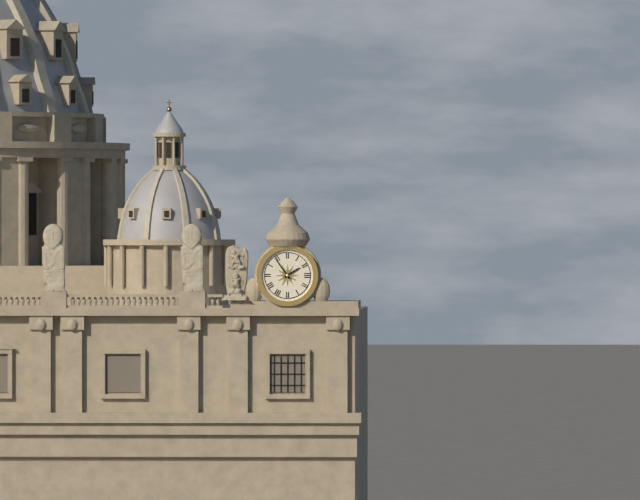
1:54
